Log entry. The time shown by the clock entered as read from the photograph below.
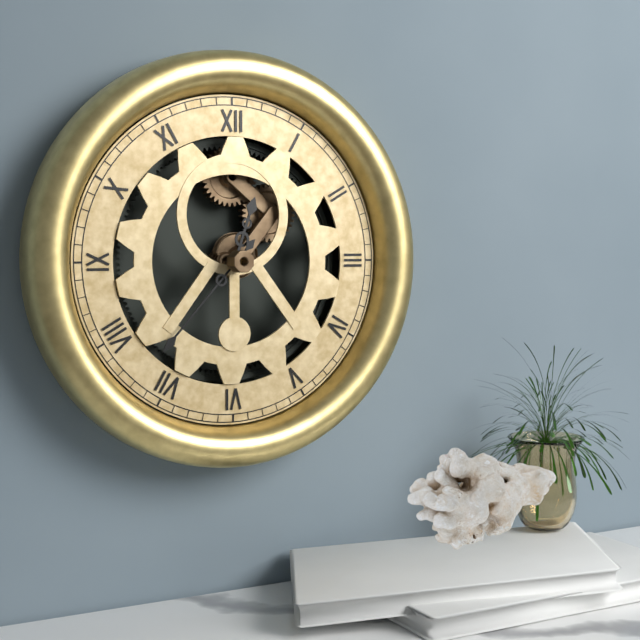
12:37
